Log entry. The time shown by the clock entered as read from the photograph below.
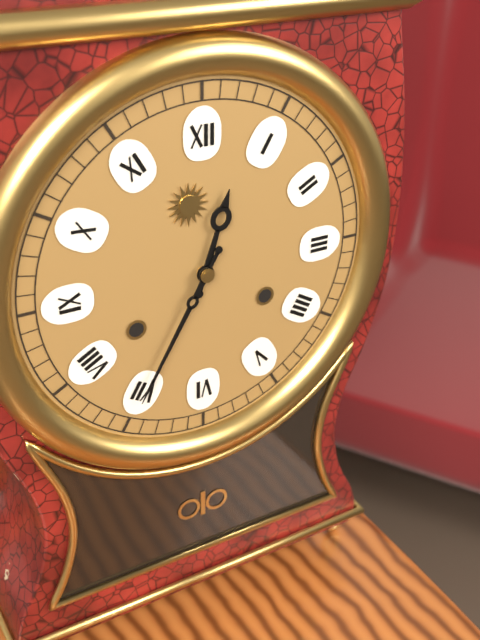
12:35
